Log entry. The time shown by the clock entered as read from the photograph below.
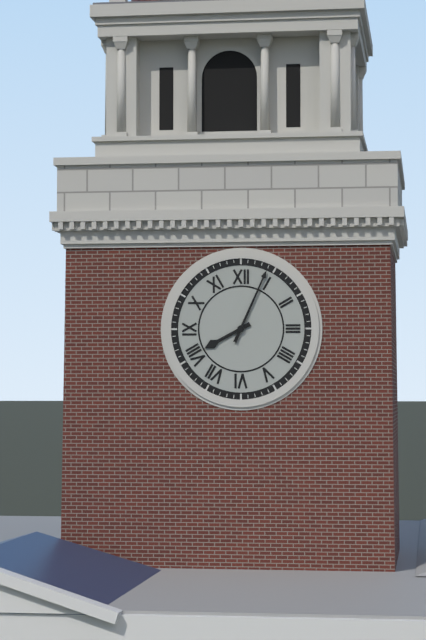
8:04
